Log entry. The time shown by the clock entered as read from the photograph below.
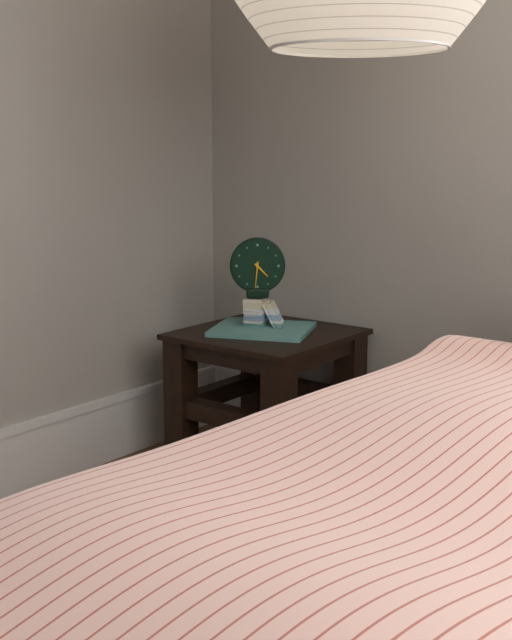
4:31
